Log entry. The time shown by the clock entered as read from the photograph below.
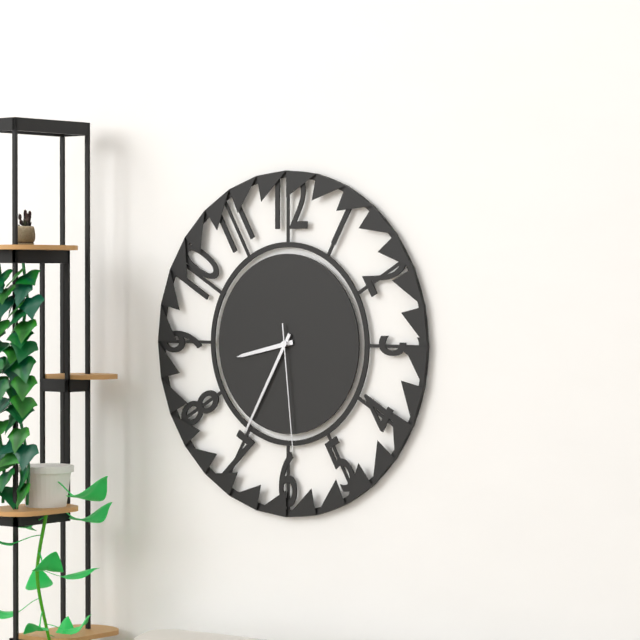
8:35:29
